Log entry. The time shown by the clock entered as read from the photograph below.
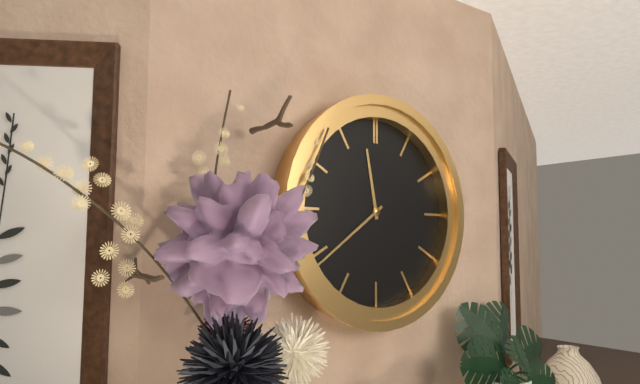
11:39
